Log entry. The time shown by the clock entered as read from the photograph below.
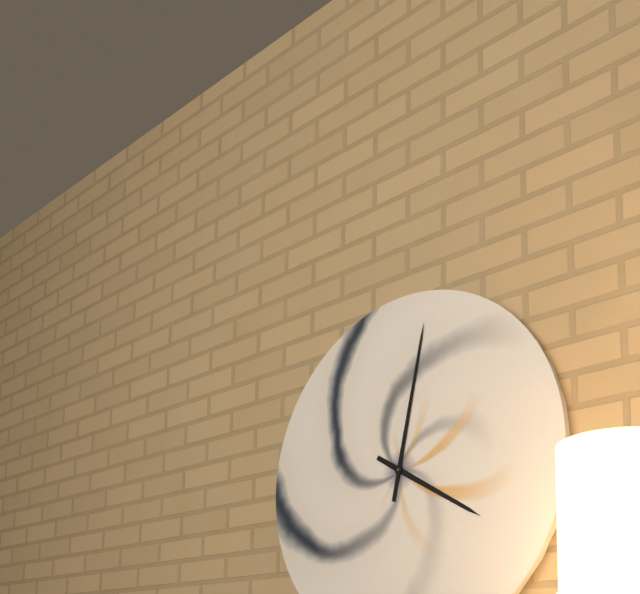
4:02
